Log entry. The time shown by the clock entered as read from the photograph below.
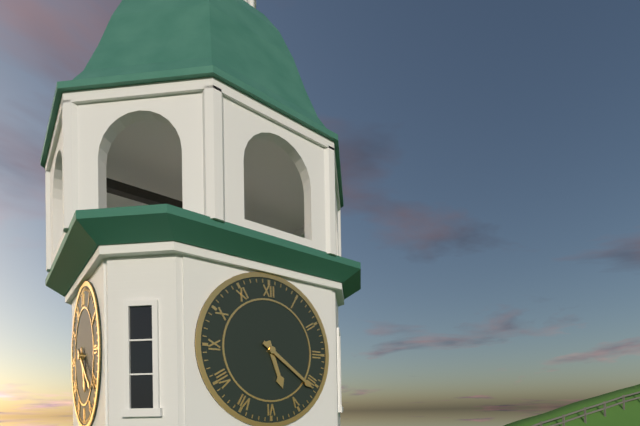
5:21
